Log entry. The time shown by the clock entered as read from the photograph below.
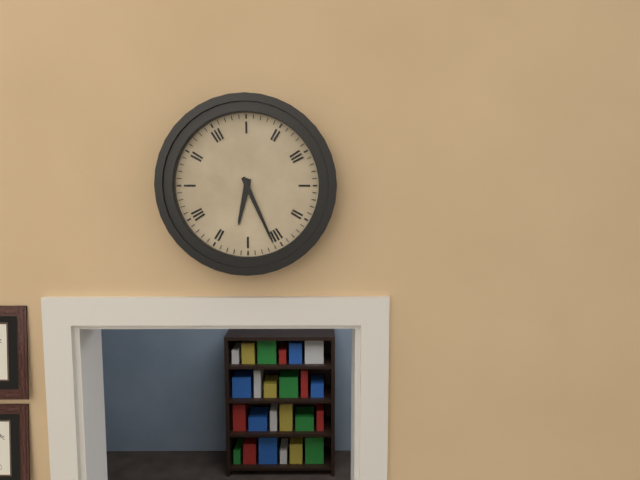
6:26
